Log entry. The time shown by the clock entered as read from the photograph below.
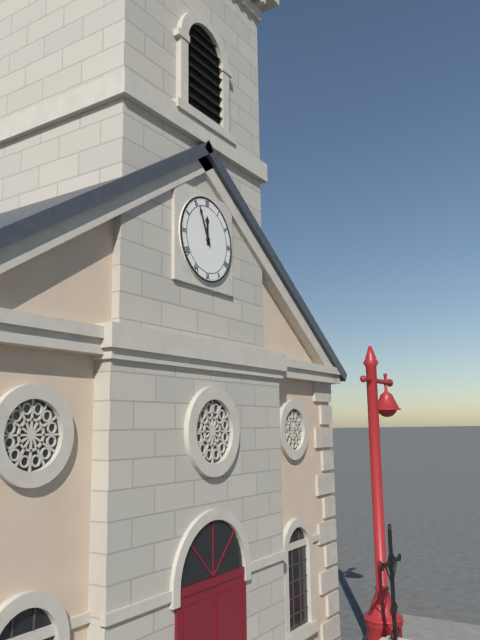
11:56
